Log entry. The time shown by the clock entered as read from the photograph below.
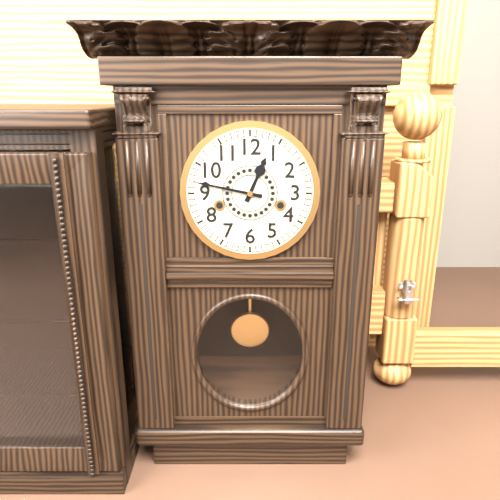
12:47
